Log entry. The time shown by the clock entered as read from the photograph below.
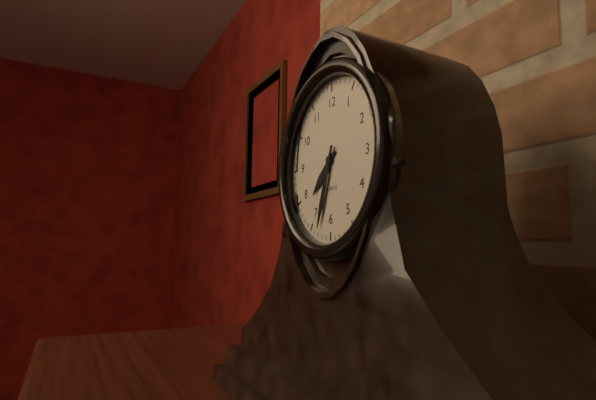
7:33
